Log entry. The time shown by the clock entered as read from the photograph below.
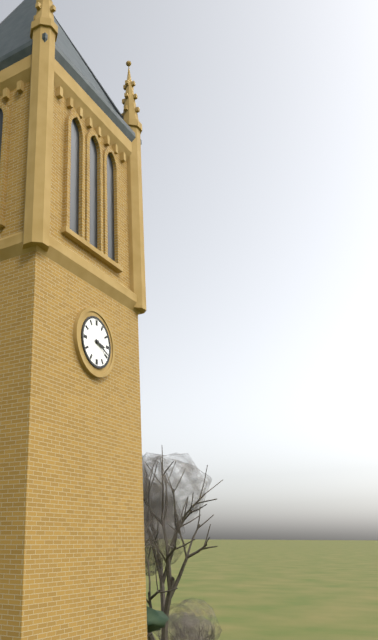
3:19
